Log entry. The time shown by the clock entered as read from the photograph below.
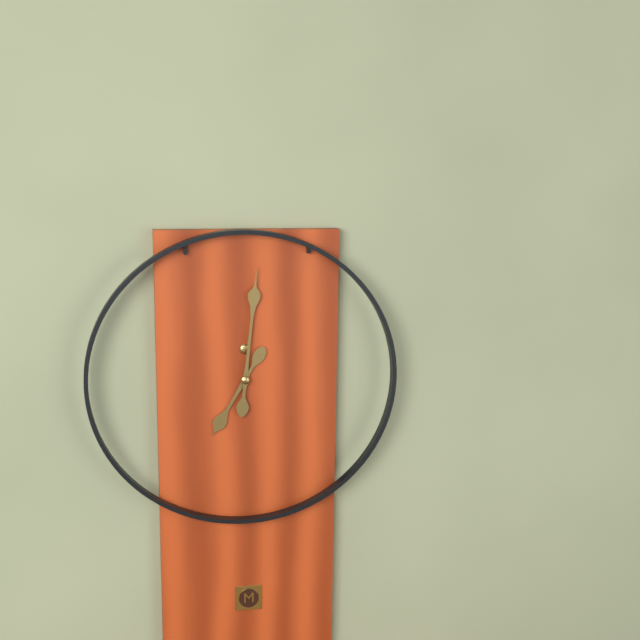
7:01
